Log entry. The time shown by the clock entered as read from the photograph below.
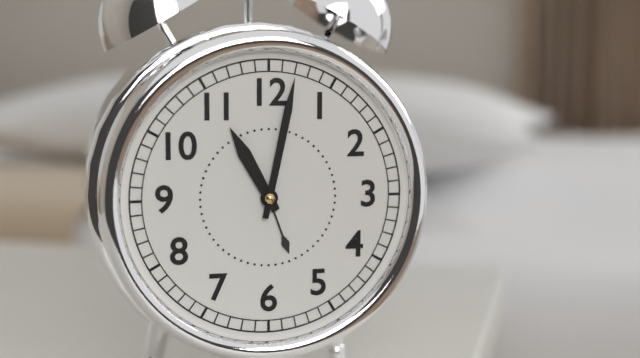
11:02
